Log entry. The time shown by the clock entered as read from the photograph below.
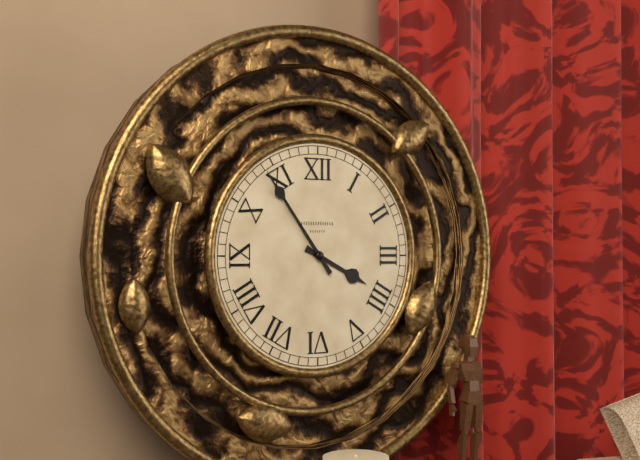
3:54
